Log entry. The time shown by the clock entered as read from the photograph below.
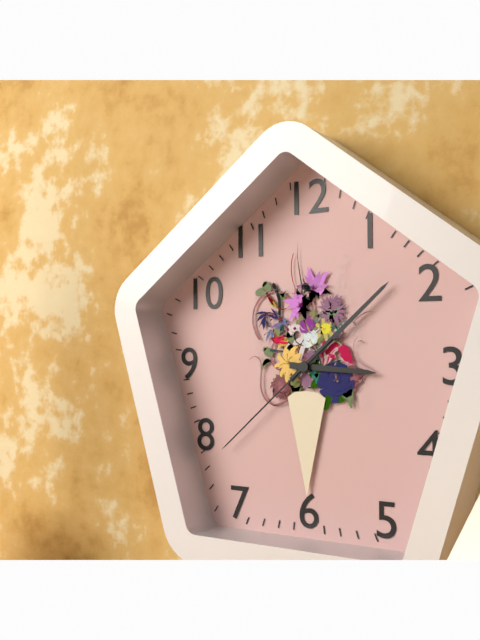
3:08:38
